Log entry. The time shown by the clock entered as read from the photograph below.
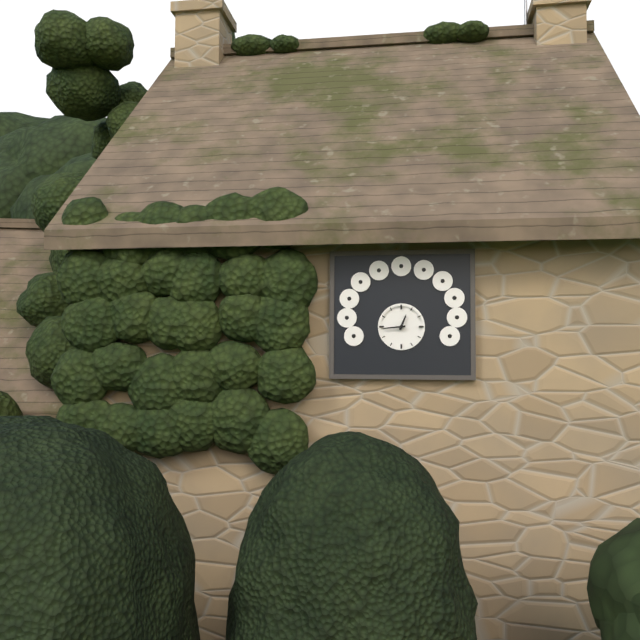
12:44
